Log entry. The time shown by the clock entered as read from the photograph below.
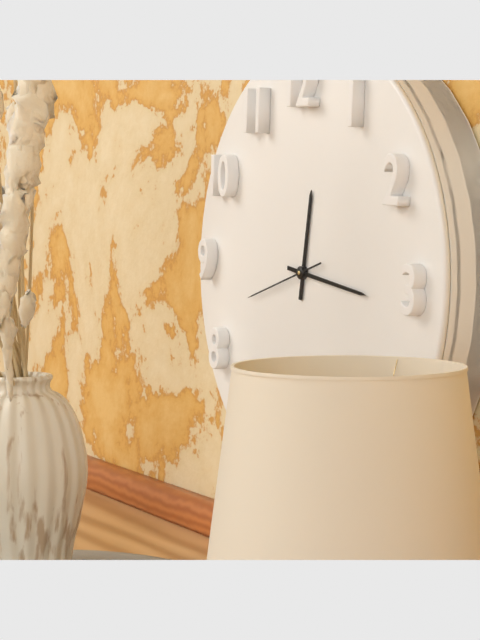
12:16:42
